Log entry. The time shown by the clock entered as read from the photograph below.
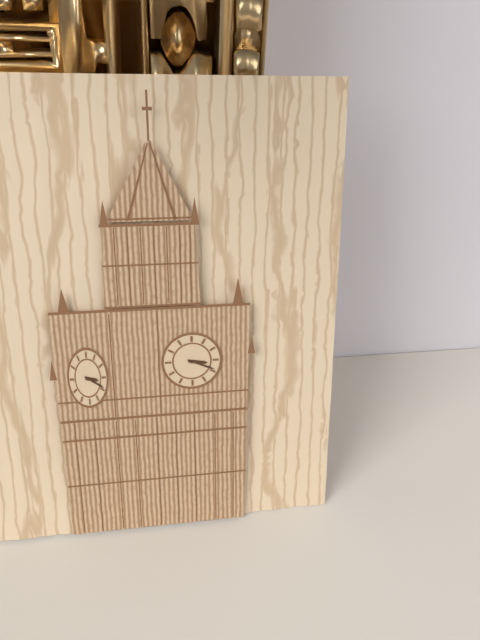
3:19
